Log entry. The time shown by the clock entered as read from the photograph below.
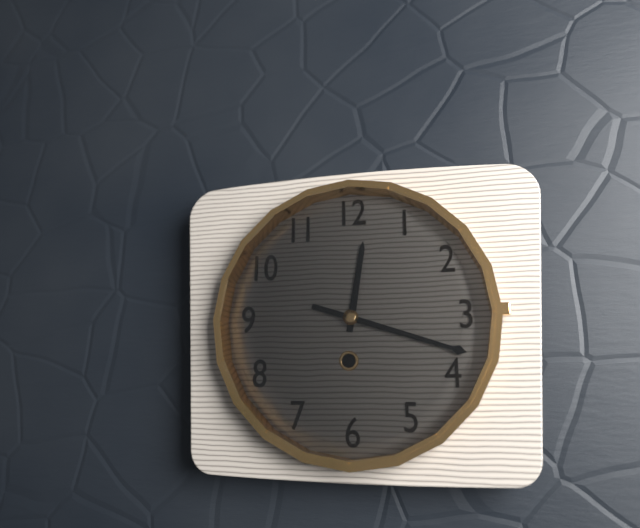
12:18
